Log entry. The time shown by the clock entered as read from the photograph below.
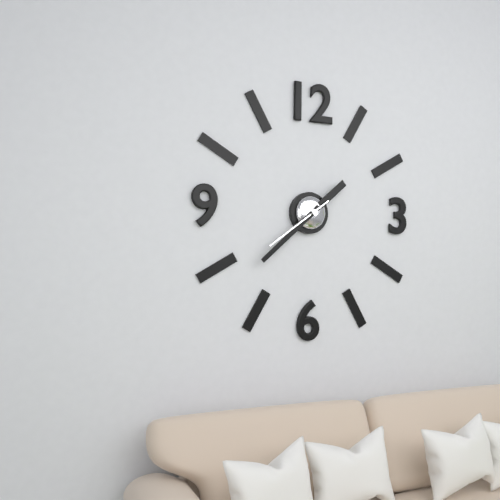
1:38:39
